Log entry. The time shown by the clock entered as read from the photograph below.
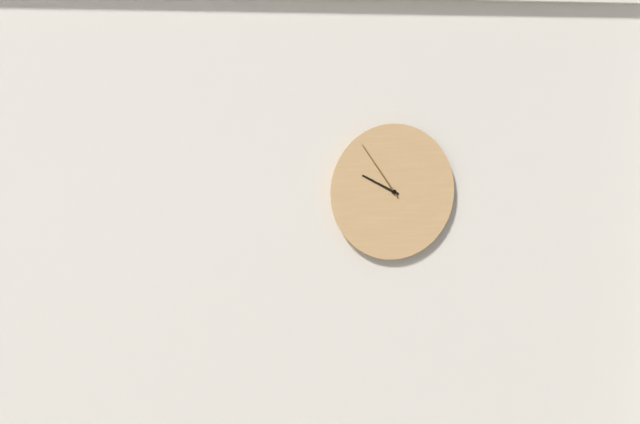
9:54
